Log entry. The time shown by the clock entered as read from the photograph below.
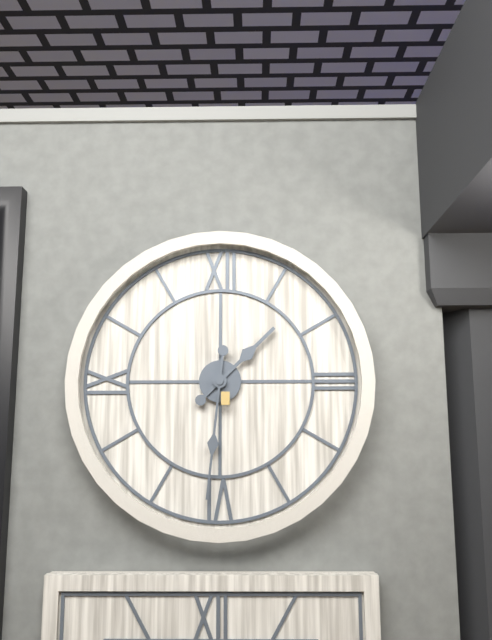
1:31
